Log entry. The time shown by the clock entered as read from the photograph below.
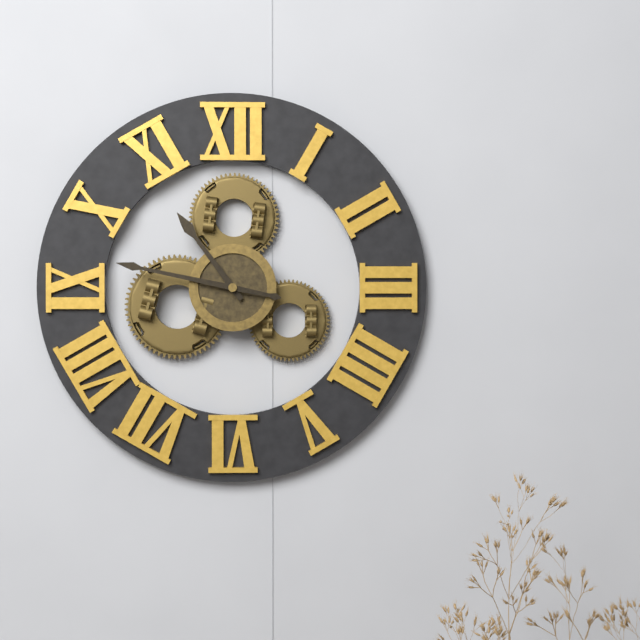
10:47
